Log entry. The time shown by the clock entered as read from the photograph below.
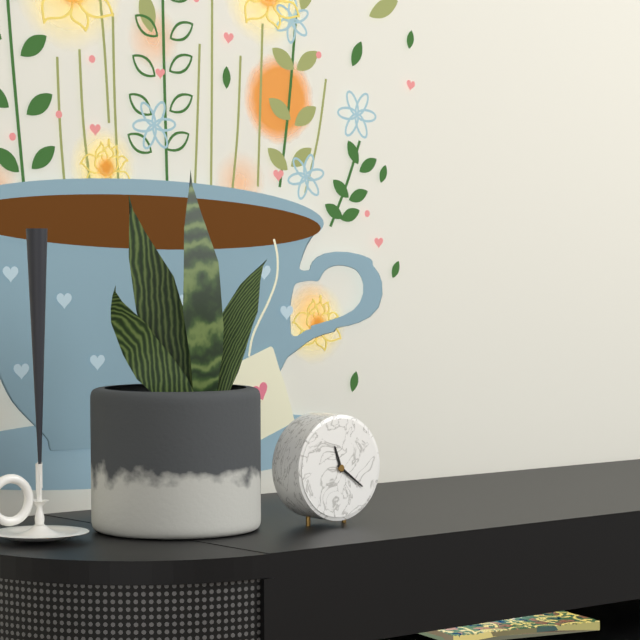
11:21
